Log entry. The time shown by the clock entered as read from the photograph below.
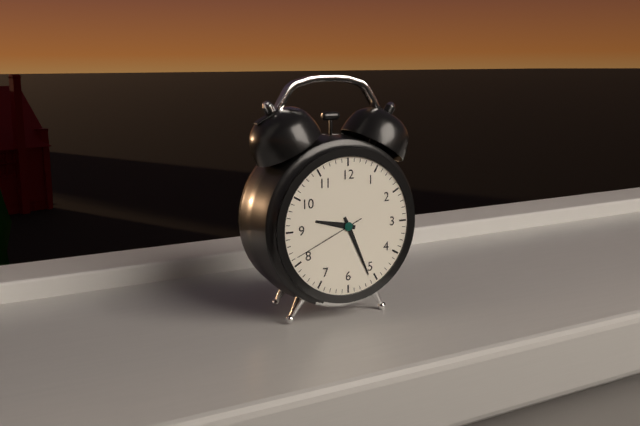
9:26:41
